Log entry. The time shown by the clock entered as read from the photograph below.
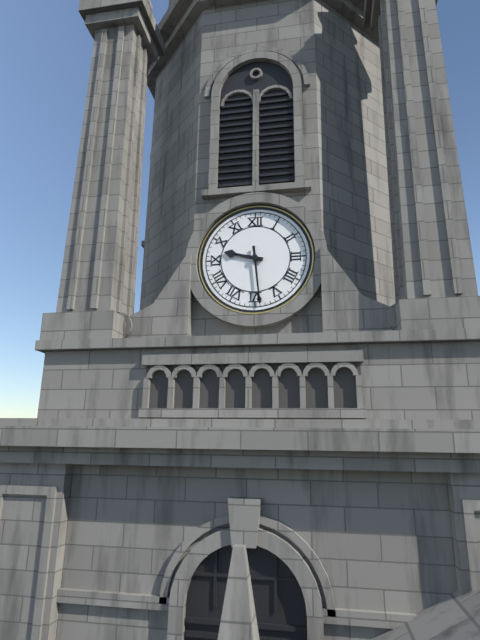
9:29
